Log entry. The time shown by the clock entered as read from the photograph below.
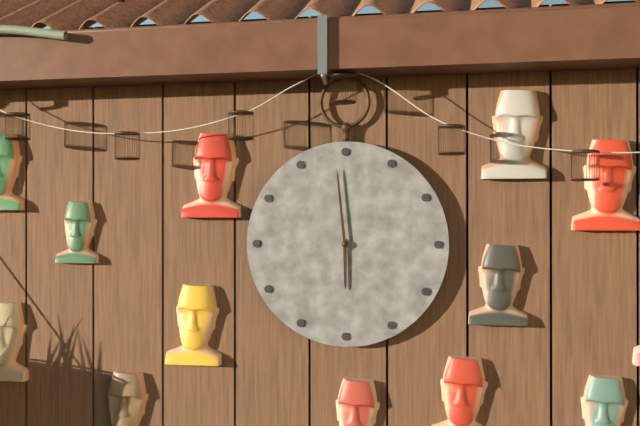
5:59
